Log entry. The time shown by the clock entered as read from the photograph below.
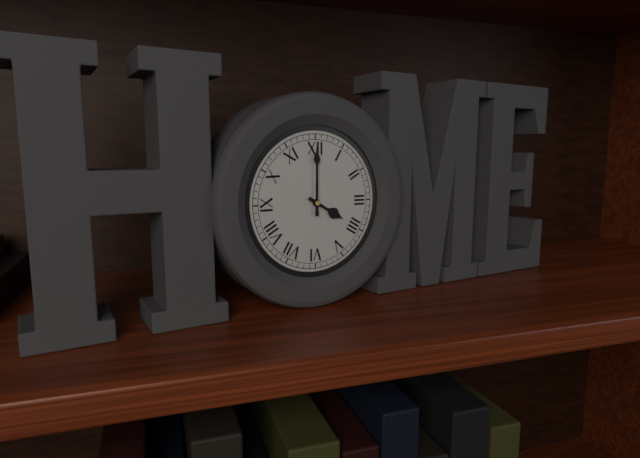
4:00
